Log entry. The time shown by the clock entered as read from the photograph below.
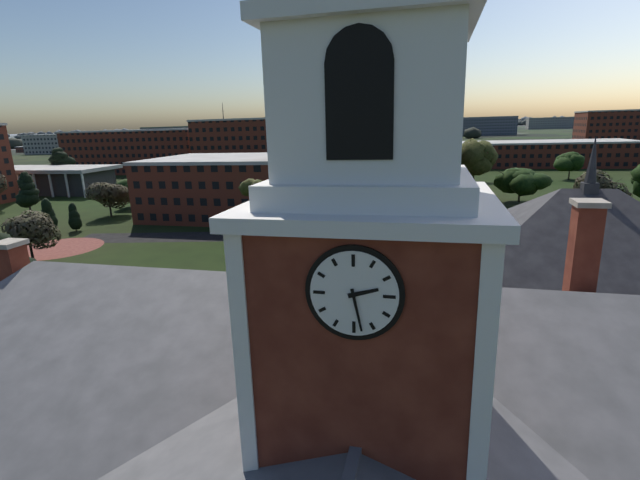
2:28
